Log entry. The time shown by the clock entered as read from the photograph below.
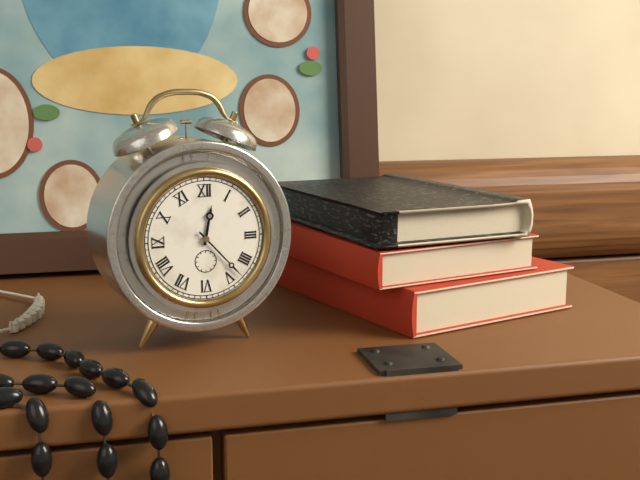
12:23
